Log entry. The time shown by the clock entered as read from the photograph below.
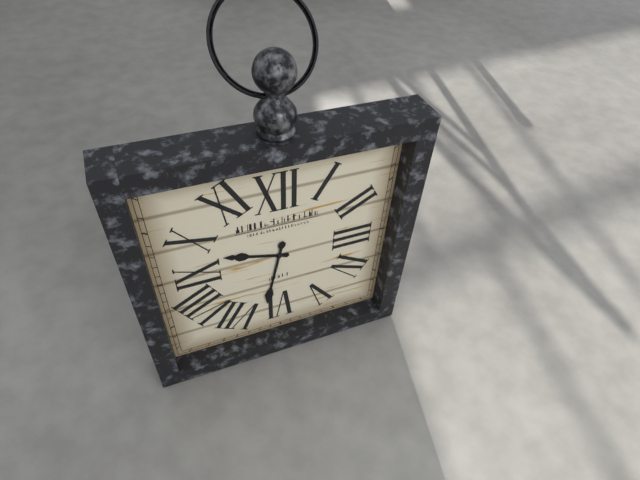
9:32
